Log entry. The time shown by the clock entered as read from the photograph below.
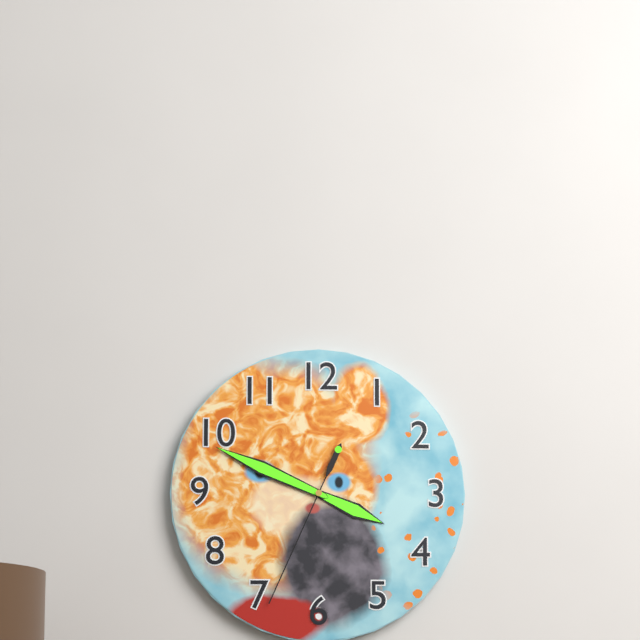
3:49:34
